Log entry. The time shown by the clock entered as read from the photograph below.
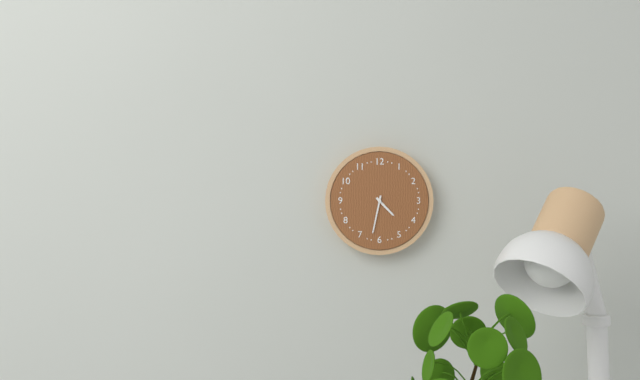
4:32
